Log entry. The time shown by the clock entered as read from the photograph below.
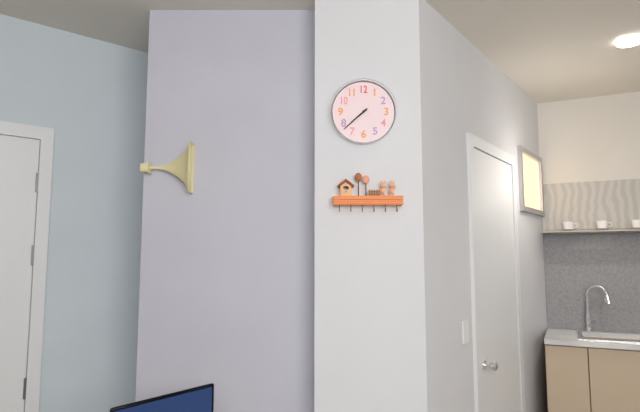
7:38
